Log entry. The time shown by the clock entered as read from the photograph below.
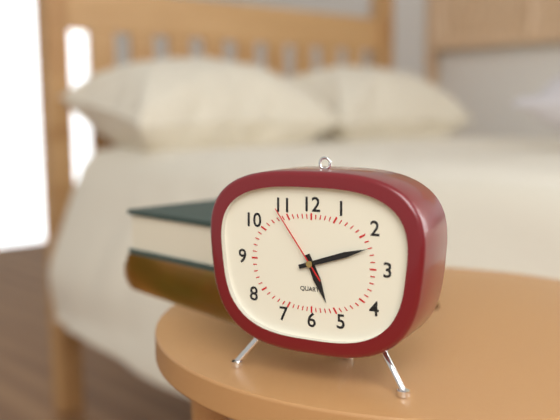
5:12:54
